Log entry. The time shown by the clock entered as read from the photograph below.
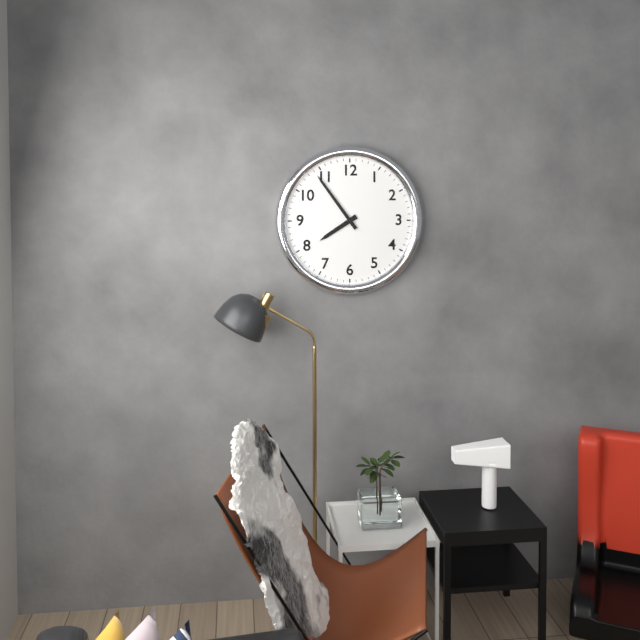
7:54
